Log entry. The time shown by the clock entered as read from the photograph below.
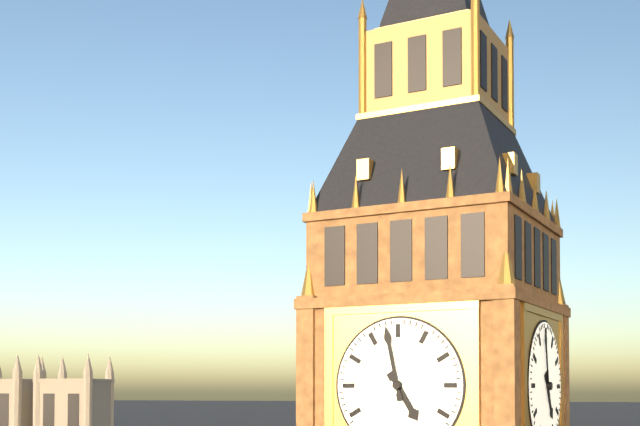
4:58
